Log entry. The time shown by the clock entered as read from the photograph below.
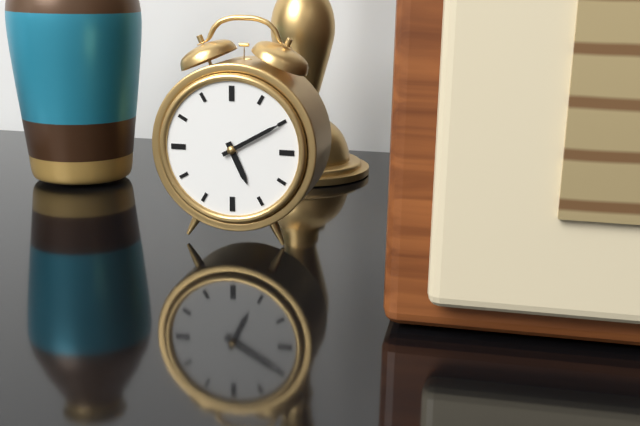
5:10
